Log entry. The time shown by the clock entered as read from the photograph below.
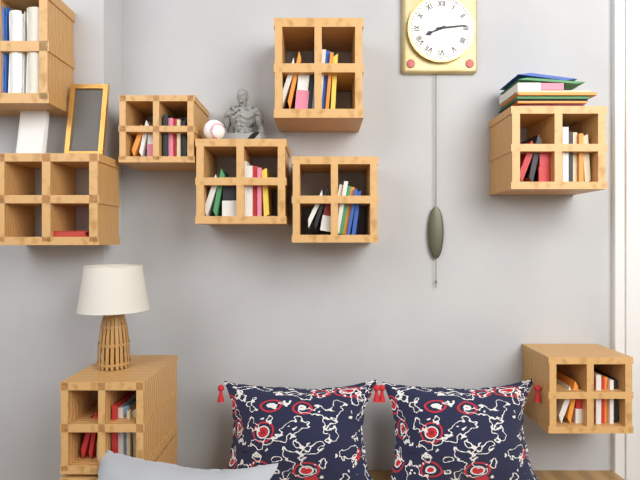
8:14
